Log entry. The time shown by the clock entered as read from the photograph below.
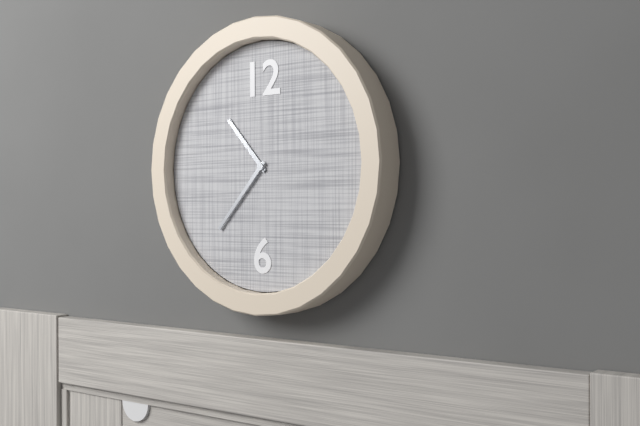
10:37
